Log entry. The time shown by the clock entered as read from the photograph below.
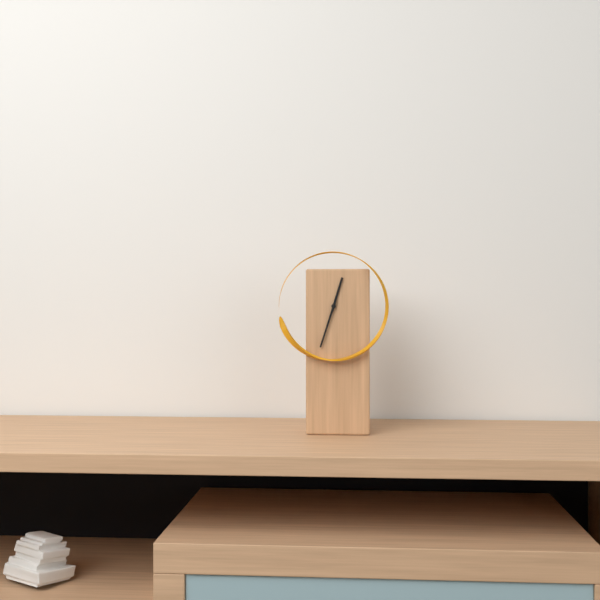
12:33
